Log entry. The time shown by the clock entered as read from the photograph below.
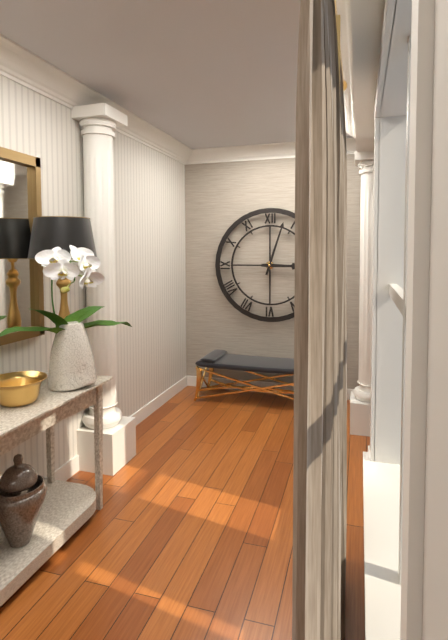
3:03
